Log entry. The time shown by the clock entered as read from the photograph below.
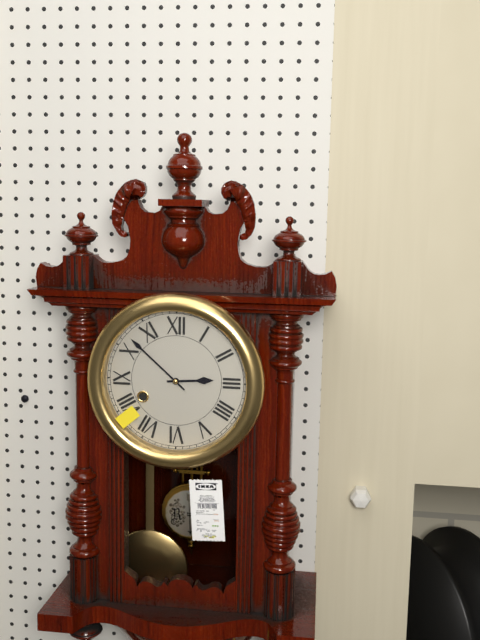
2:52
